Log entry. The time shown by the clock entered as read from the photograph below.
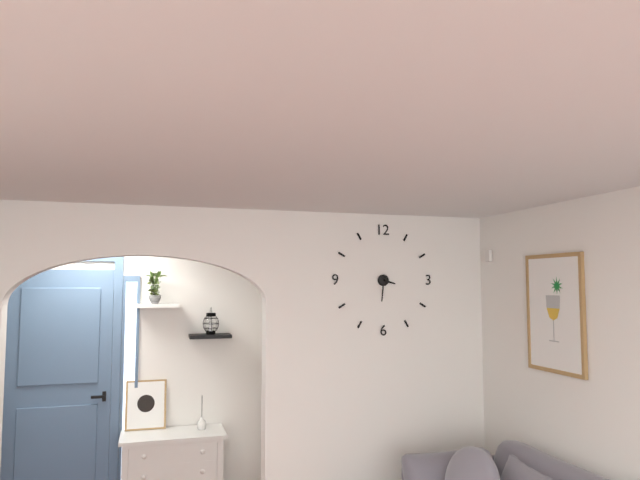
3:31
